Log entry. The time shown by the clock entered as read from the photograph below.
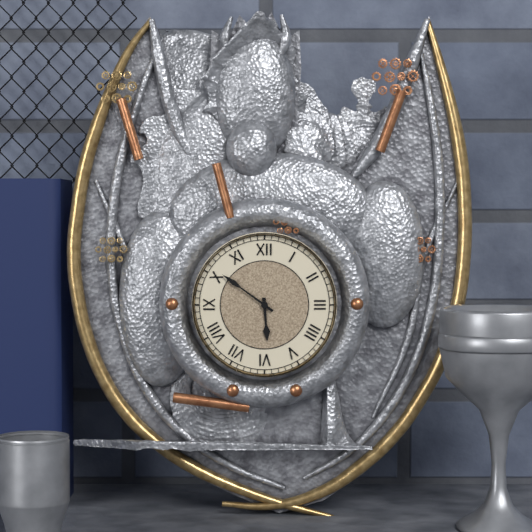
5:51
